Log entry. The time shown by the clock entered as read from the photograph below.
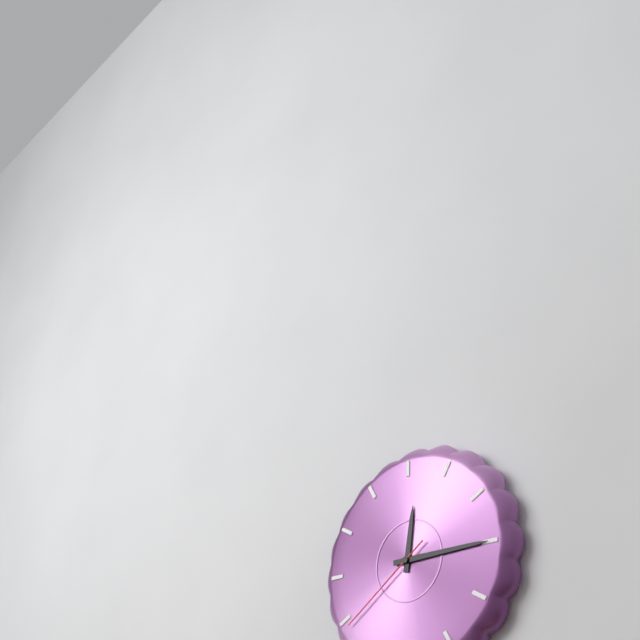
12:15:39
